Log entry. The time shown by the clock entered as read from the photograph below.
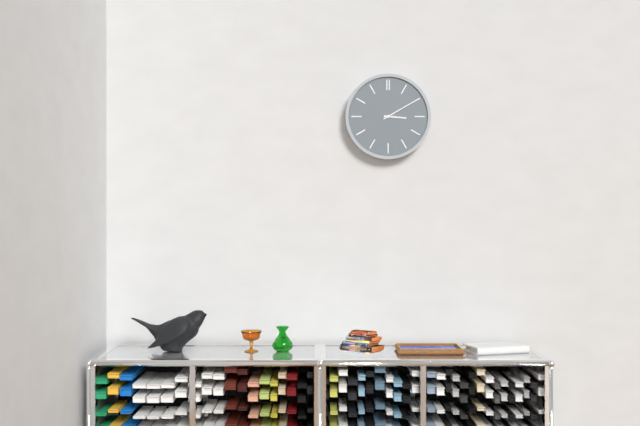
3:10
